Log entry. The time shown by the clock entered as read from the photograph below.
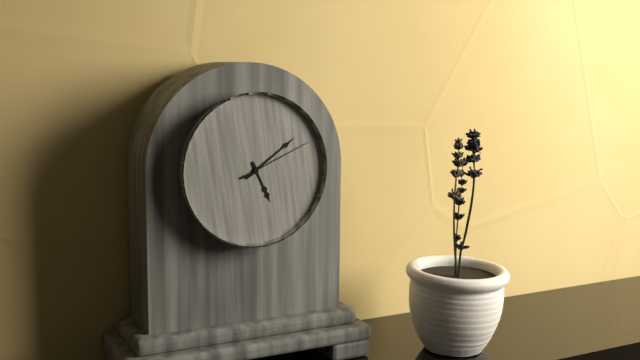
5:09:11
